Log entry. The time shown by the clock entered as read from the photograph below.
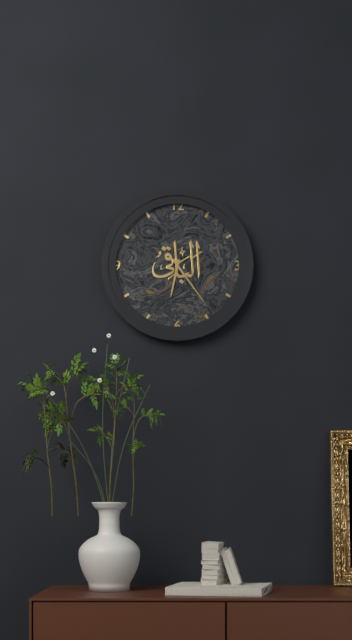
6:24
